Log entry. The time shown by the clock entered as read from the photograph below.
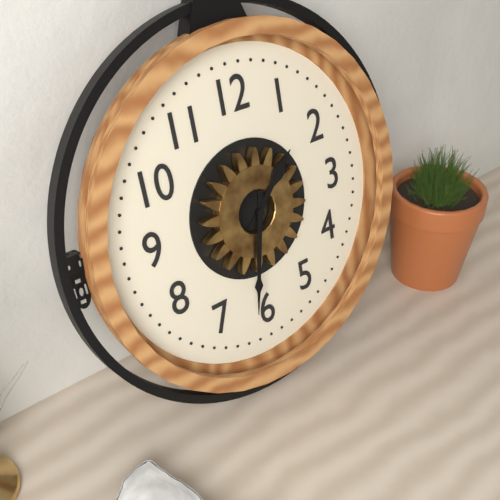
1:32
